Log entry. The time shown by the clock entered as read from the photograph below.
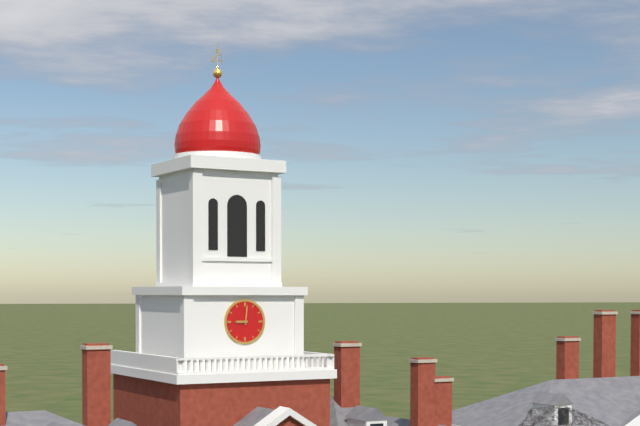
9:01
